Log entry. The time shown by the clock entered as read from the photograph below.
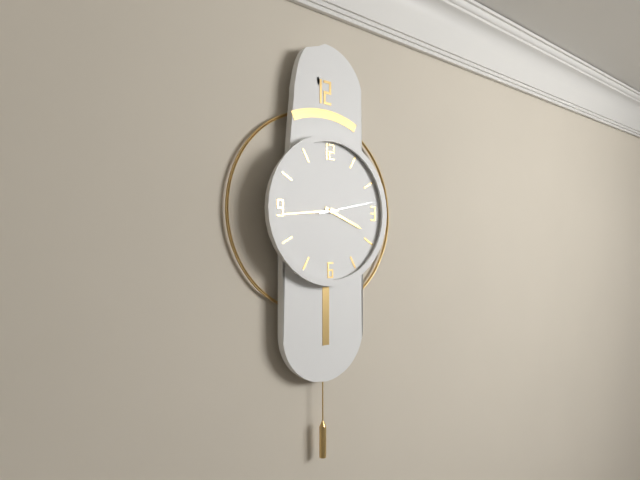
3:44:13
